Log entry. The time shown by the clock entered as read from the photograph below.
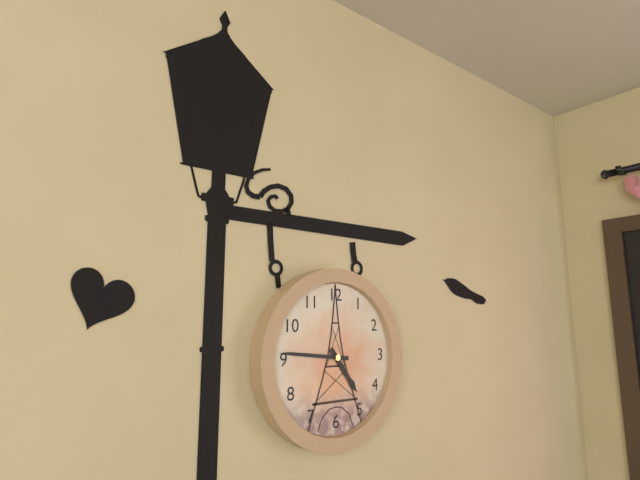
4:46
